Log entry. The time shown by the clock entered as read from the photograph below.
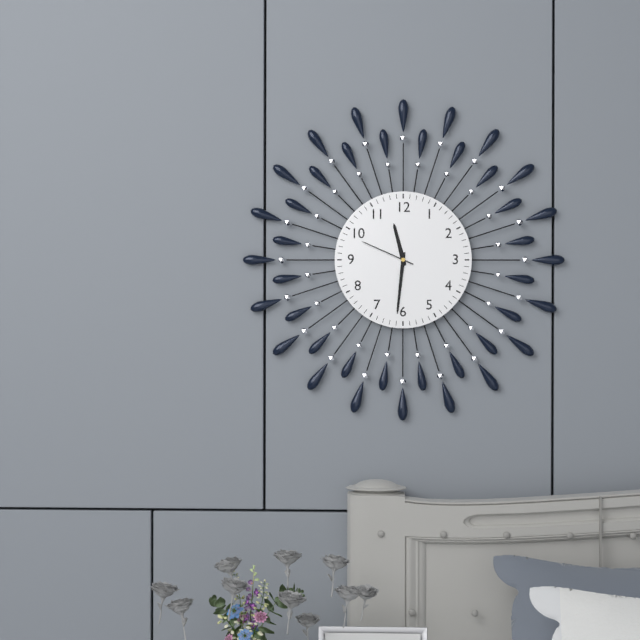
11:31:49
